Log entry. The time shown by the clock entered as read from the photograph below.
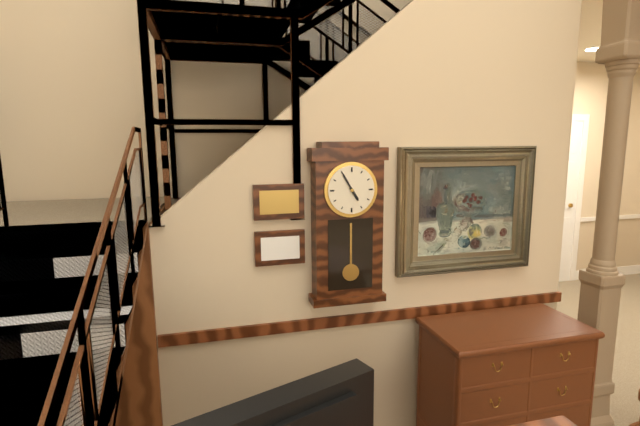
4:55
